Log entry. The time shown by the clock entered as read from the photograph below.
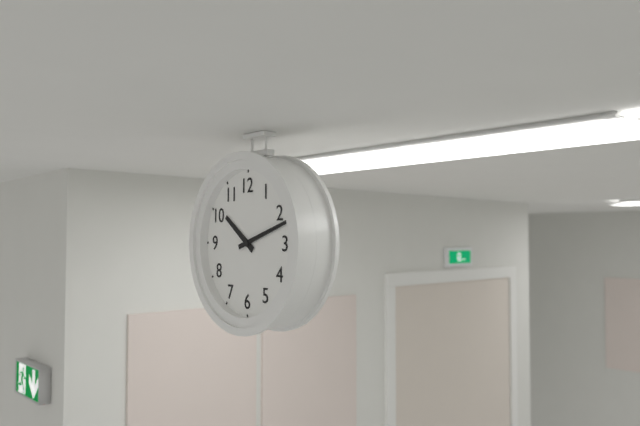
10:12
